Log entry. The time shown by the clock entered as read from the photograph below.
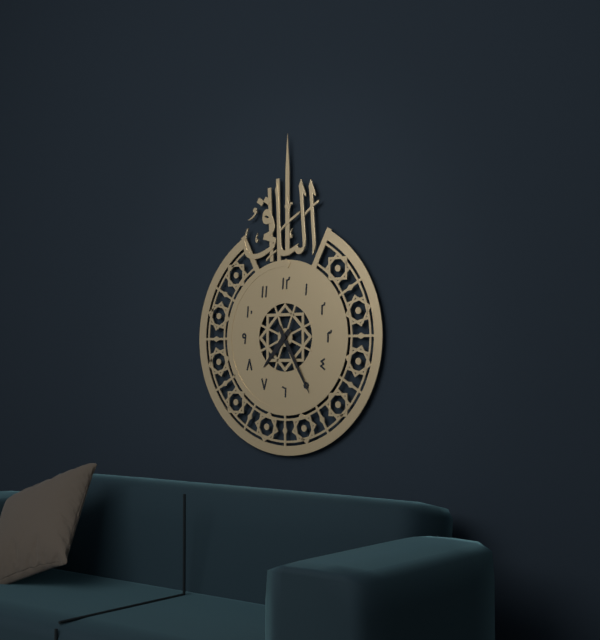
7:25
